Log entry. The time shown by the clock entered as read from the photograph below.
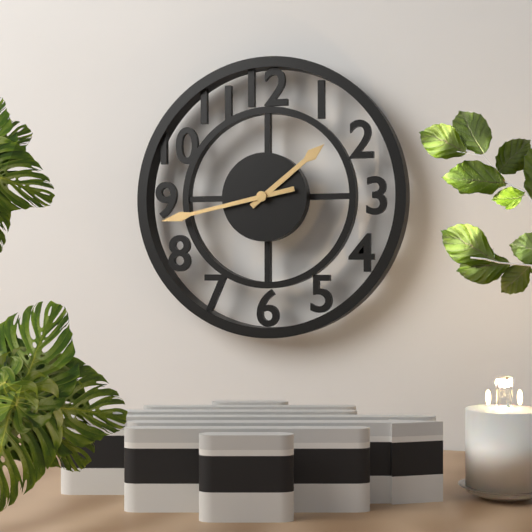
1:43
